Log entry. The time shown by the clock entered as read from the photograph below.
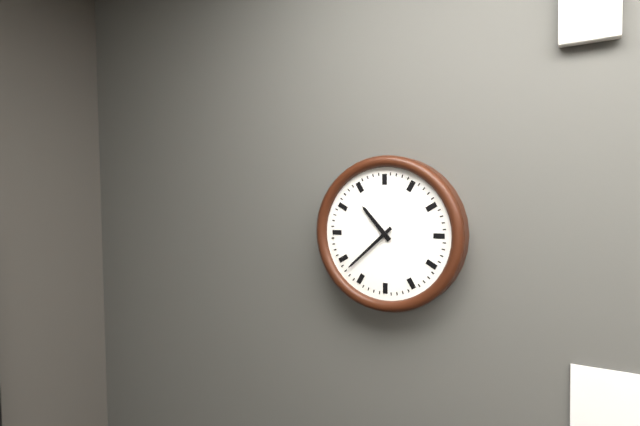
10:38
